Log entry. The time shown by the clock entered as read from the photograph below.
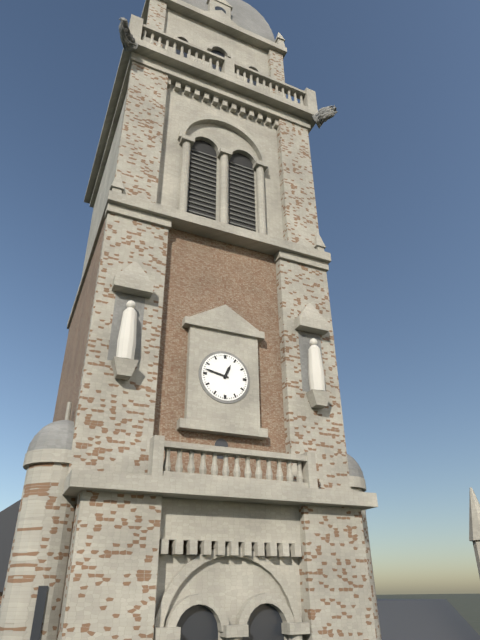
12:47
